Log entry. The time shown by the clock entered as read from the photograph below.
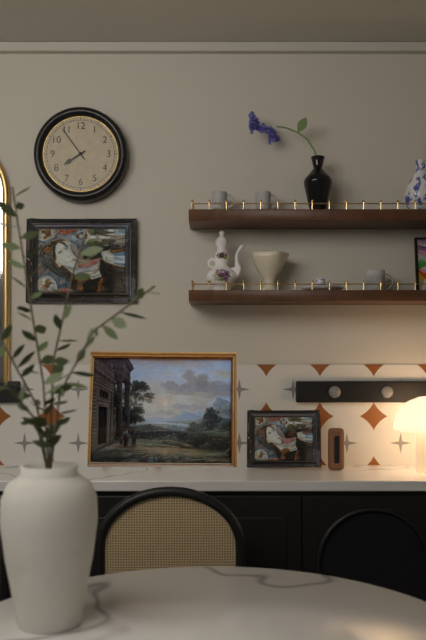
7:54
